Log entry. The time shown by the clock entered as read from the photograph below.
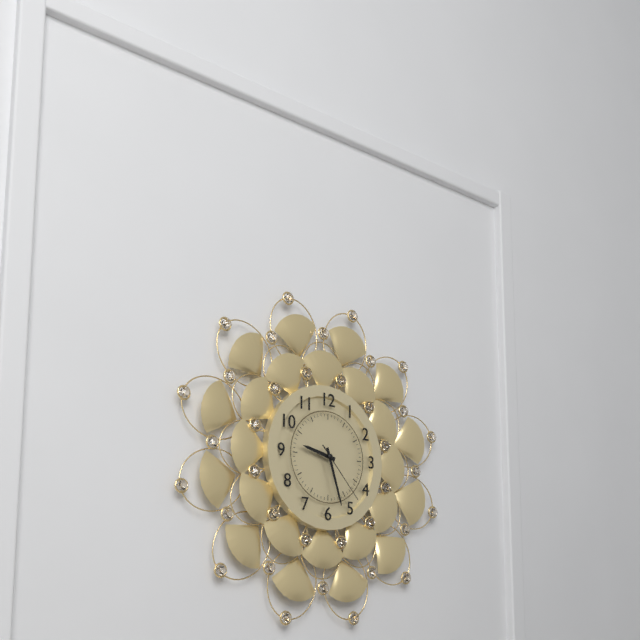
9:27:23
